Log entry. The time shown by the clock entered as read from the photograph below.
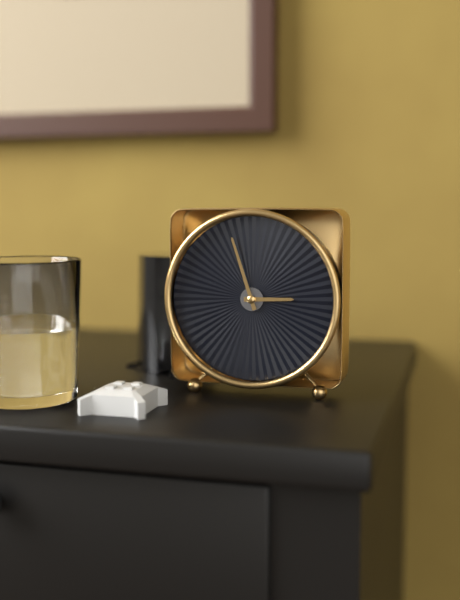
2:57
